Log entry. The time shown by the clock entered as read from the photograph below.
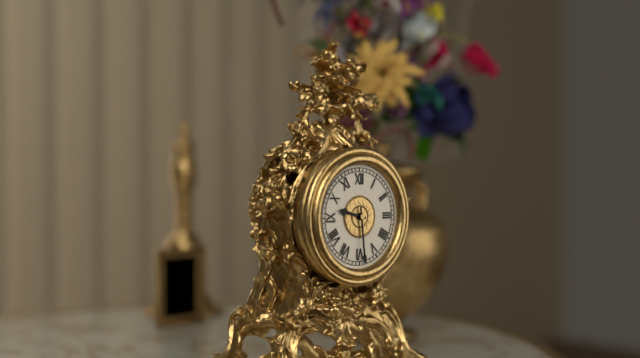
9:29
